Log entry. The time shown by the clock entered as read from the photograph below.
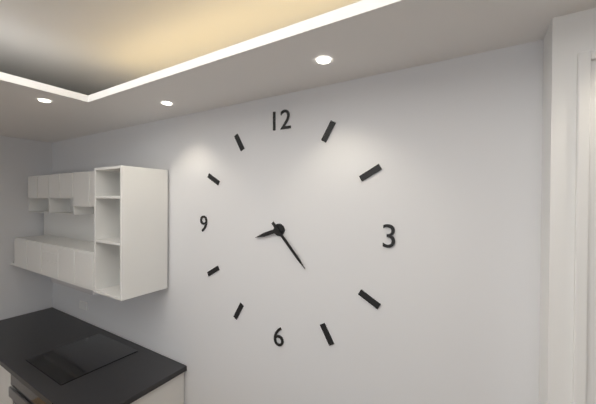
8:23
